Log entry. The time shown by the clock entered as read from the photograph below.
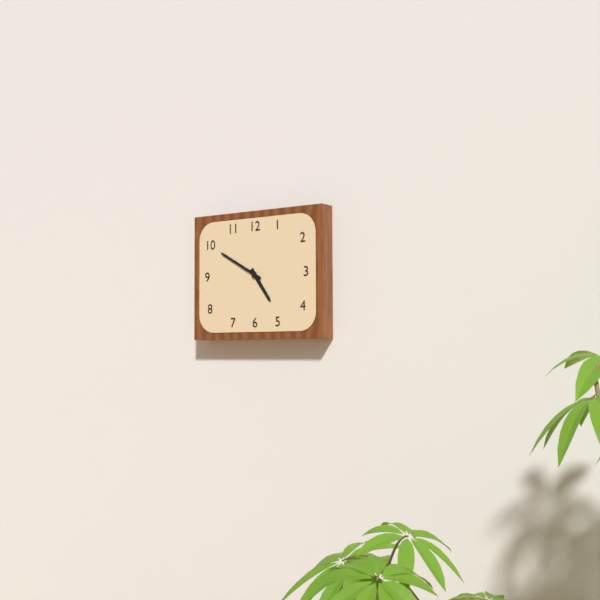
4:50
